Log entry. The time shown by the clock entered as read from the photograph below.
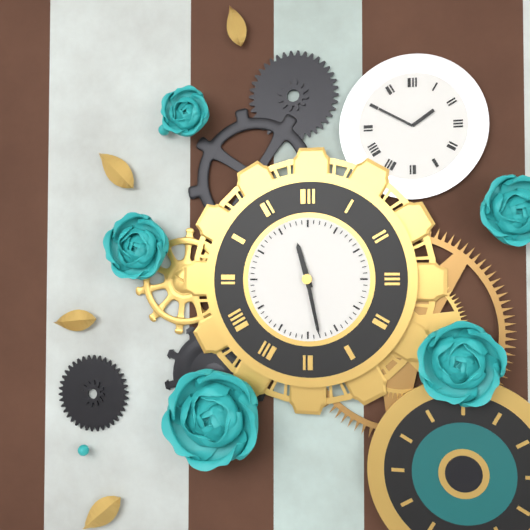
11:28
